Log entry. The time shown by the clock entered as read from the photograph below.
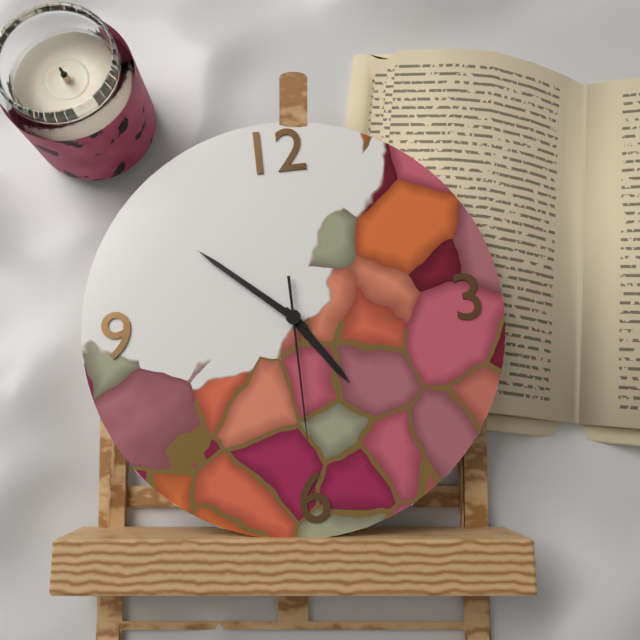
4:52:30
